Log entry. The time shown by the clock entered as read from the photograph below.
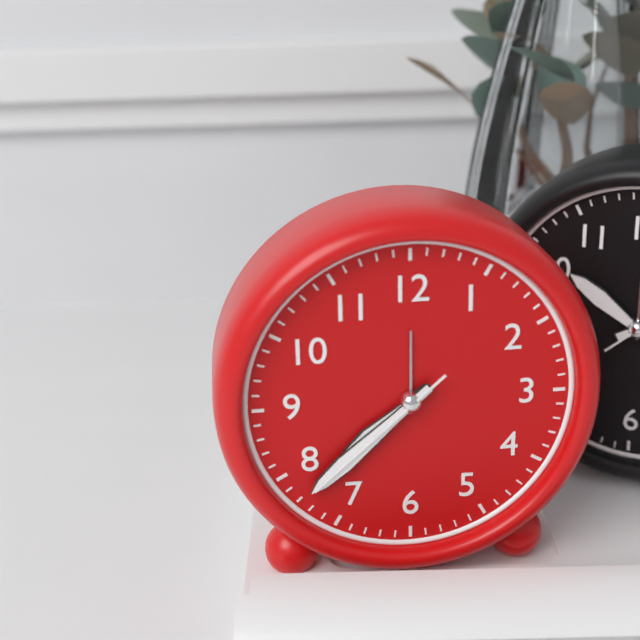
7:38:38
